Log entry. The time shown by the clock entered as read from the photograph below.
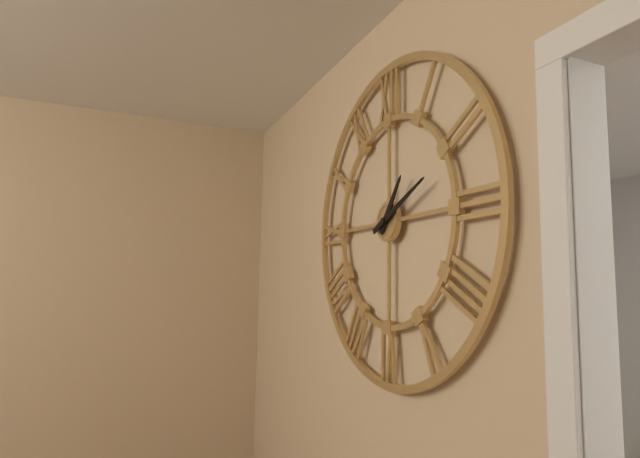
1:11
